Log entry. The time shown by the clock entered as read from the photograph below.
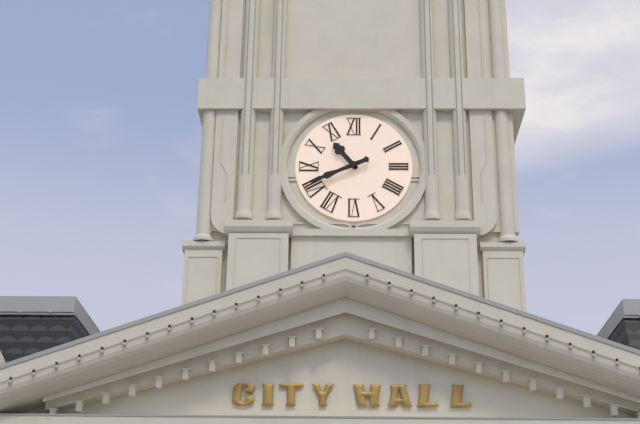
10:41
